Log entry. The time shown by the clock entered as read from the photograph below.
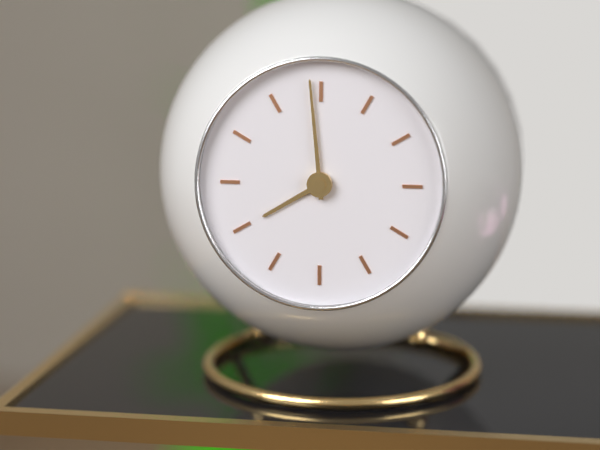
7:59
